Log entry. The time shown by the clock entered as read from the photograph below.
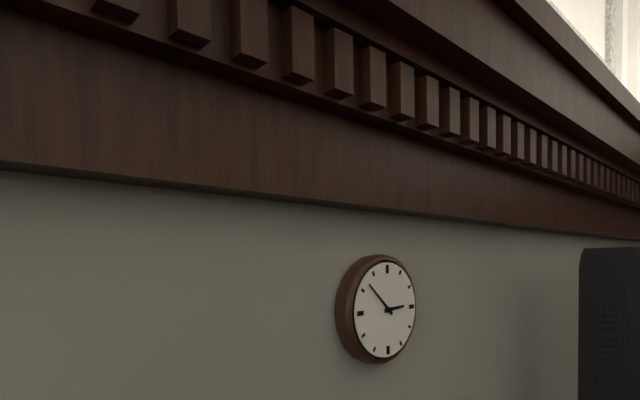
2:52
